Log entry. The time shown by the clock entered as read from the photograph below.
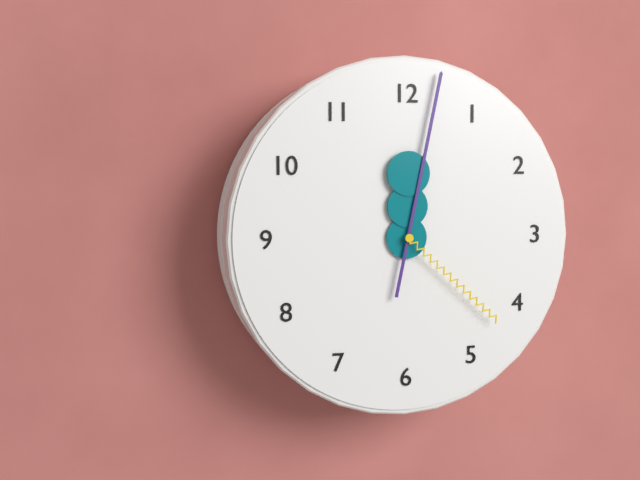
12:02:22
